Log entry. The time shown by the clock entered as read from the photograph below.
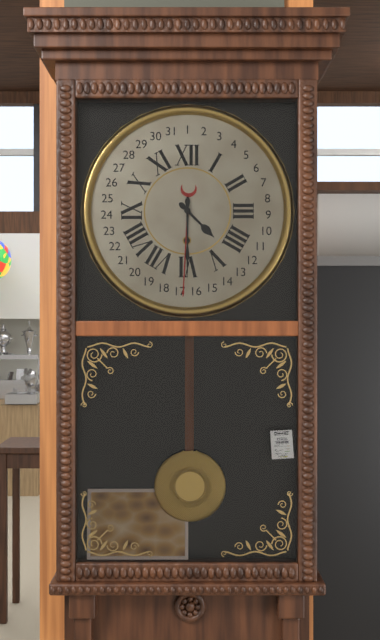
4:30
